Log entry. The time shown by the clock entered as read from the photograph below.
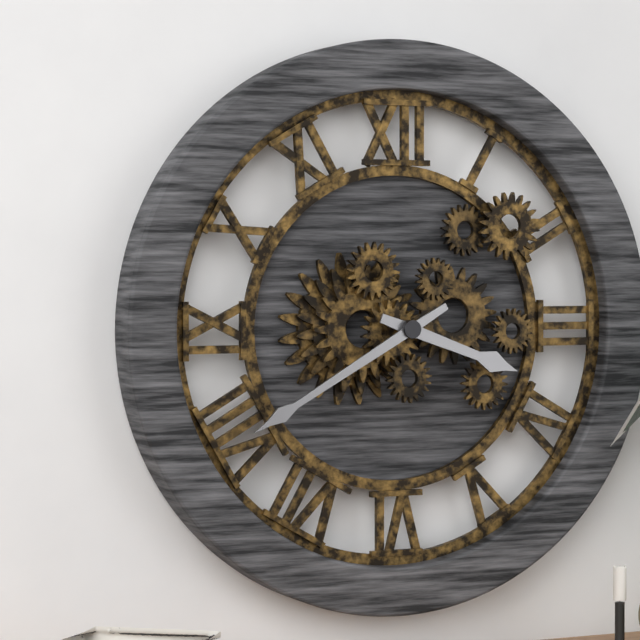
3:40
